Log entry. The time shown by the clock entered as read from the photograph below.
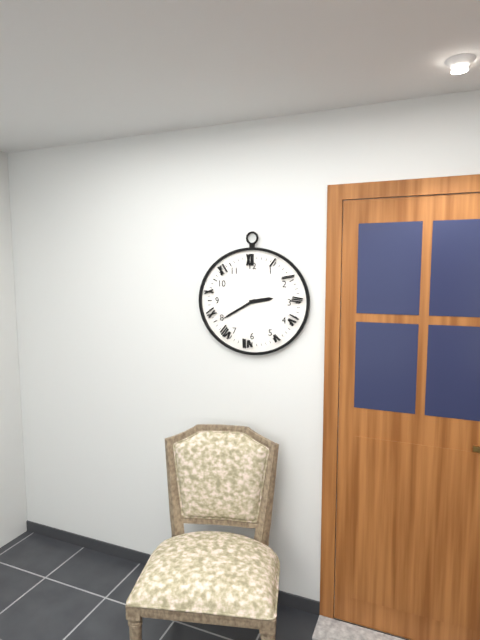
2:40
